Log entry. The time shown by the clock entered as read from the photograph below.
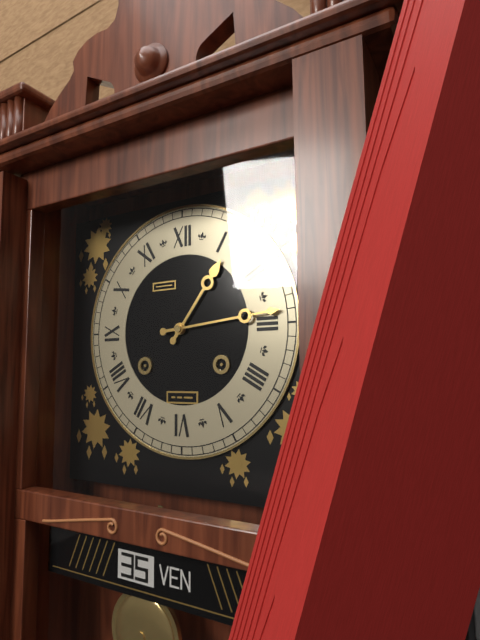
1:14
